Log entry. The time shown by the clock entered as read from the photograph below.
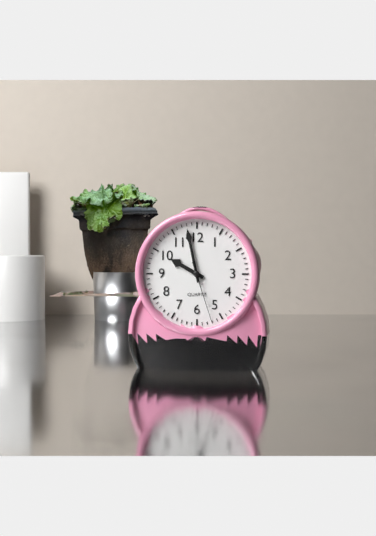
9:58:27
